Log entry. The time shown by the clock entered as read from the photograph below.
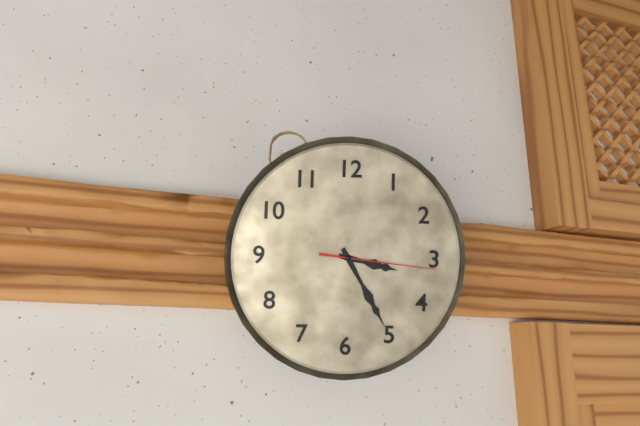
3:25:16
